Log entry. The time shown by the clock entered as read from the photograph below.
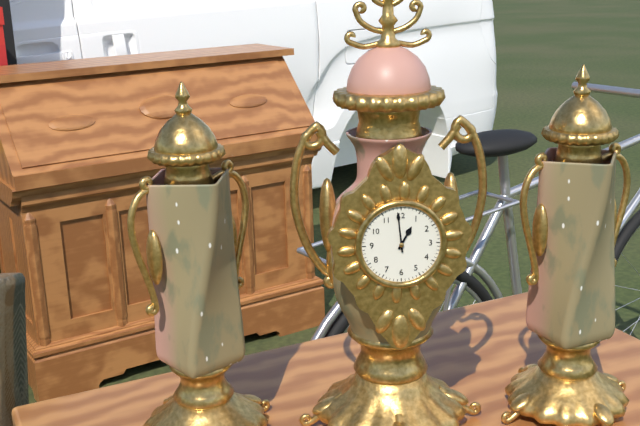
12:59
